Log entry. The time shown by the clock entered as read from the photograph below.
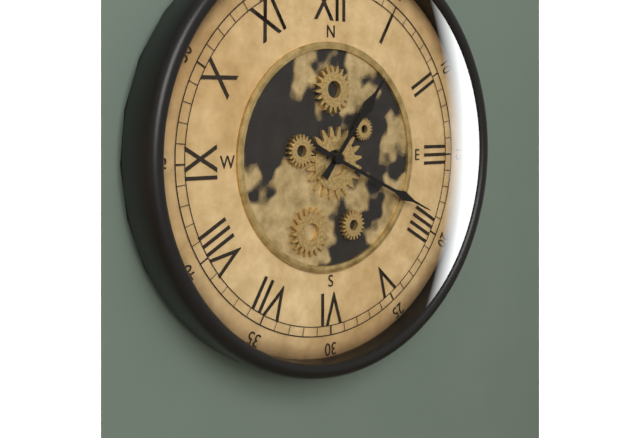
1:19
